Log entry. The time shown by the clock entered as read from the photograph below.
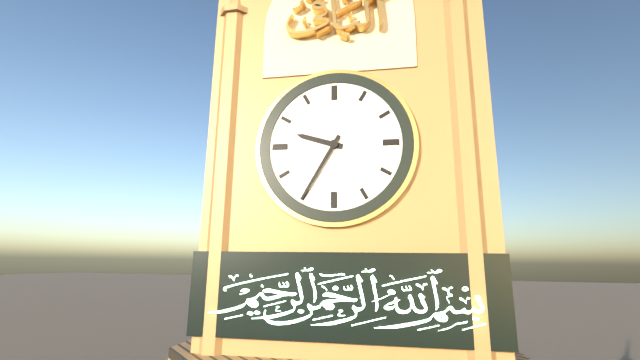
9:35
